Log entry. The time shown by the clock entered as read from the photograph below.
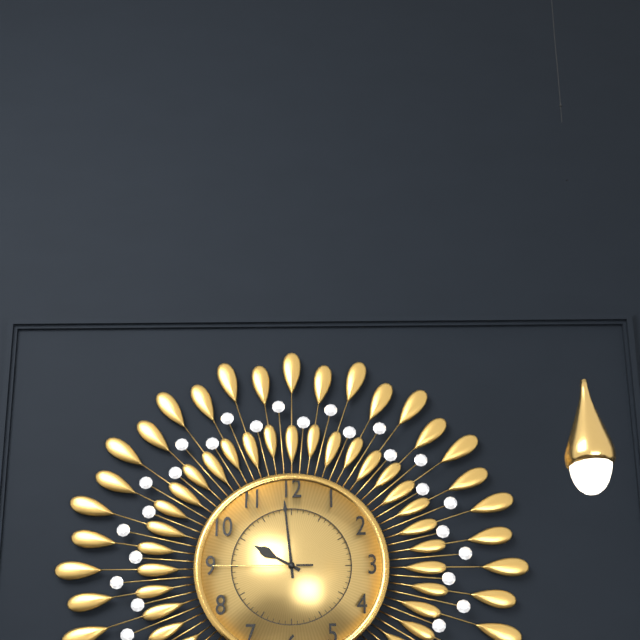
9:59:45
